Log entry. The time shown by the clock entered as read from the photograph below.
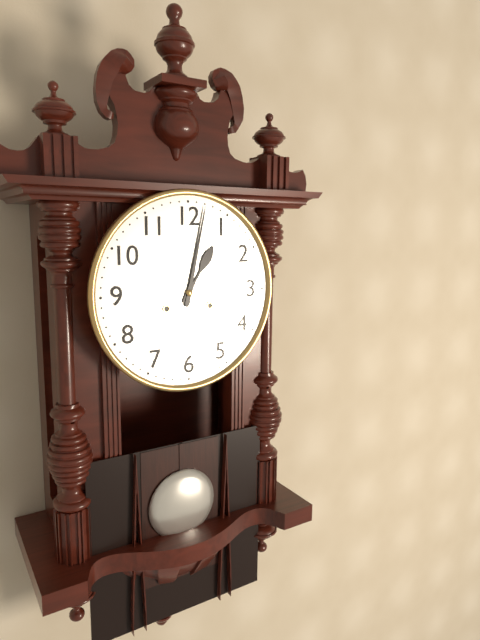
1:02
